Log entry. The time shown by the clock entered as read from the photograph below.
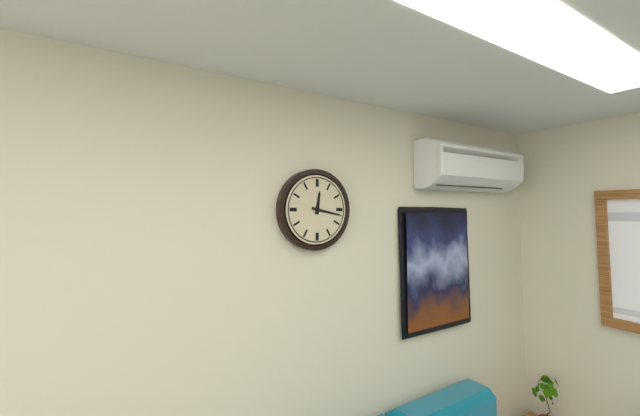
12:17
